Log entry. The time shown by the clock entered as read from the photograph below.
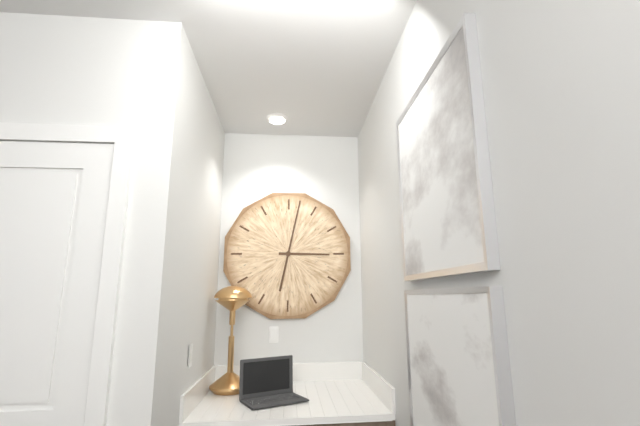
3:02
